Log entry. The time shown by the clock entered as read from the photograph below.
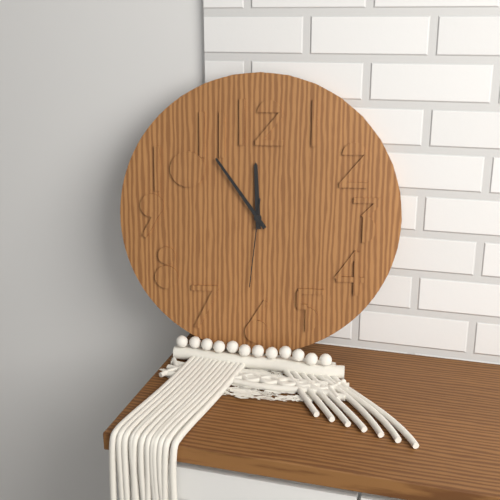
11:54:31
